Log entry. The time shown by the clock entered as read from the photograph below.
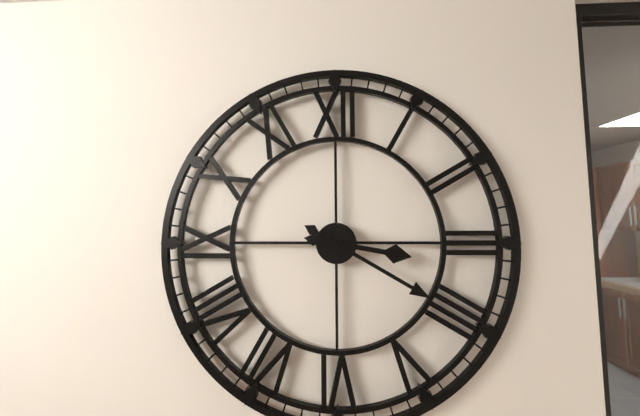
3:20
